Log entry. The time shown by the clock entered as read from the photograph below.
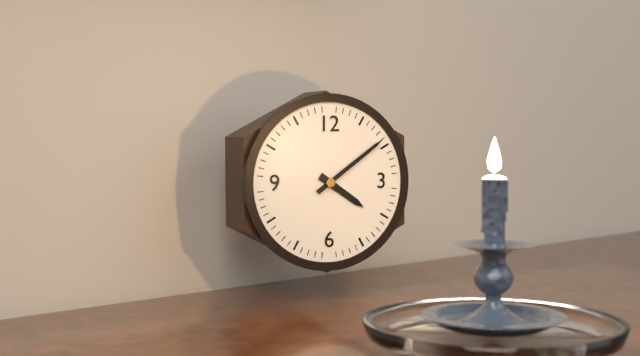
4:09
